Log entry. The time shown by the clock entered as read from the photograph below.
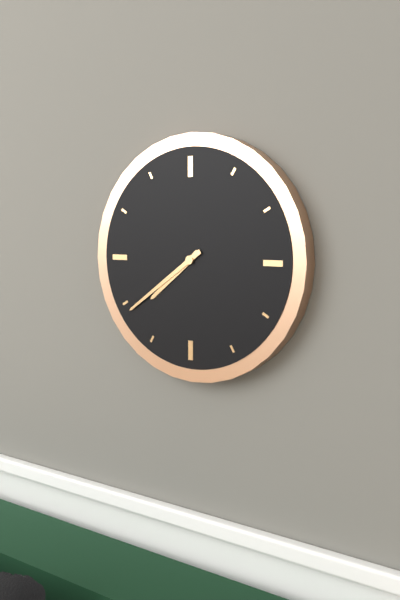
7:39
